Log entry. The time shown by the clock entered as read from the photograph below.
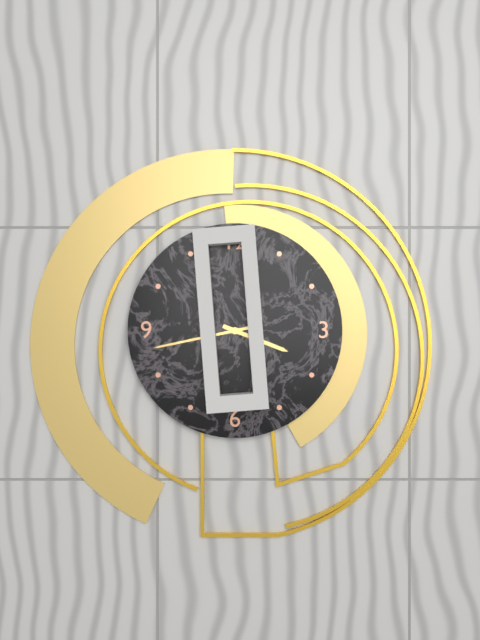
3:43
